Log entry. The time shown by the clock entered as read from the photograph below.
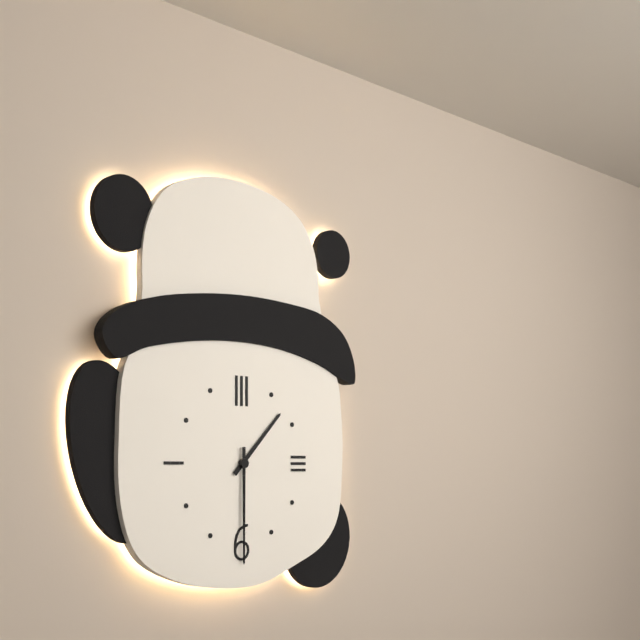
1:30
